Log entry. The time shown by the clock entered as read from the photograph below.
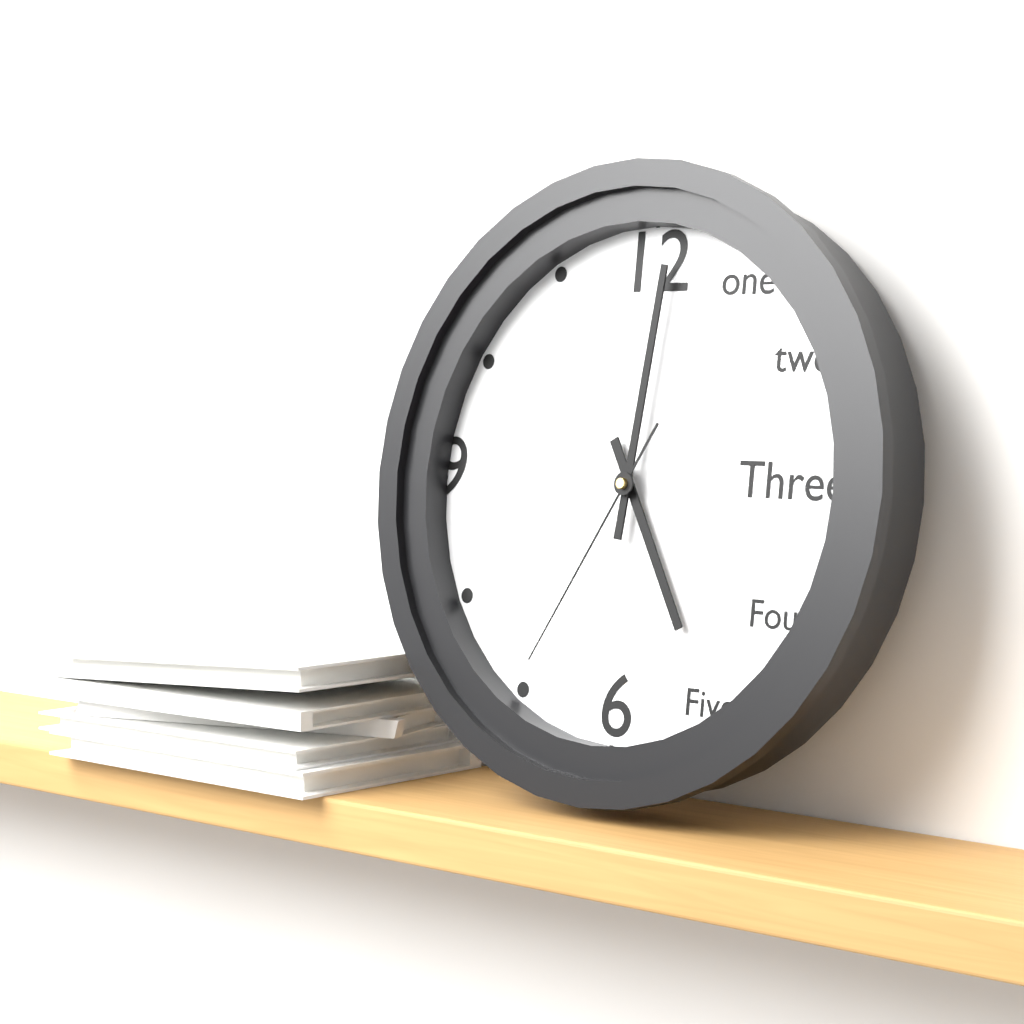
5:01:35
